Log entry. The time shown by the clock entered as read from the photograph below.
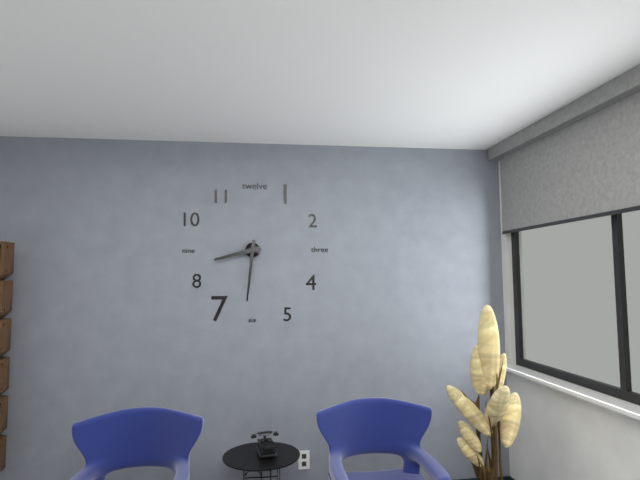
8:31
